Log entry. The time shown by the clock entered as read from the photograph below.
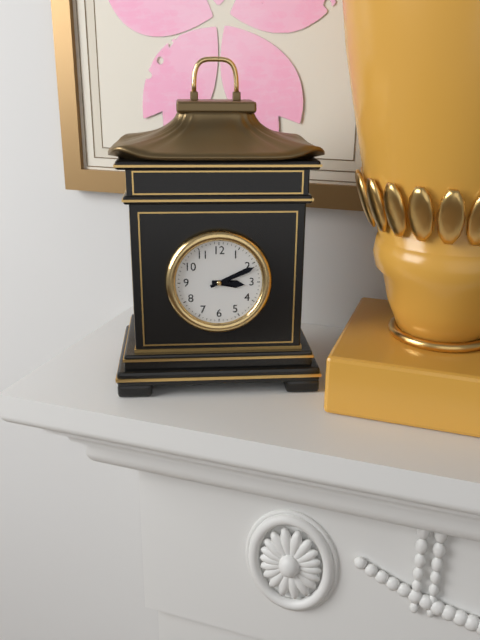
3:11
